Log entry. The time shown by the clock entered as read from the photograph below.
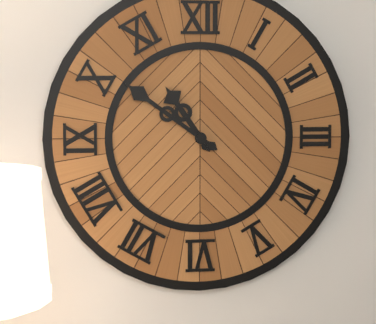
10:51
